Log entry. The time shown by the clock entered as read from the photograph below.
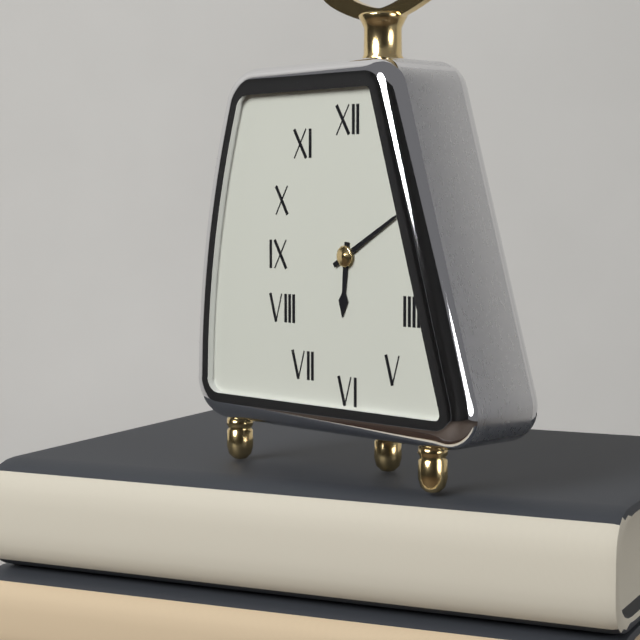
6:10
